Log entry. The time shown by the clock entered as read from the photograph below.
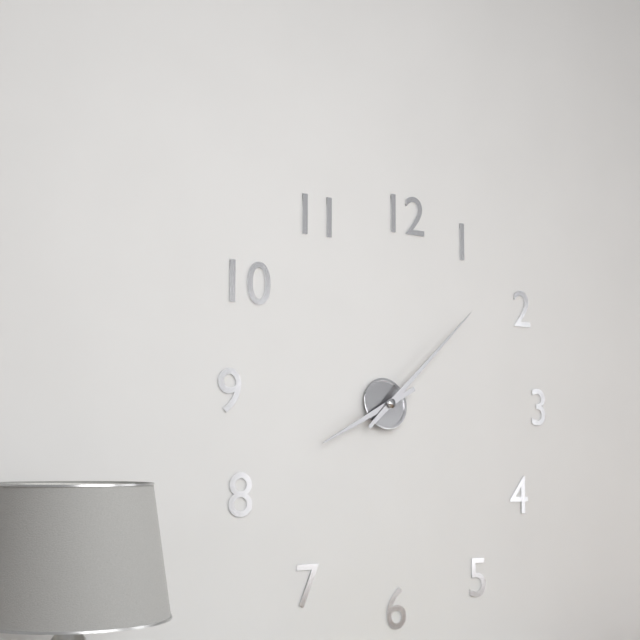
8:08
